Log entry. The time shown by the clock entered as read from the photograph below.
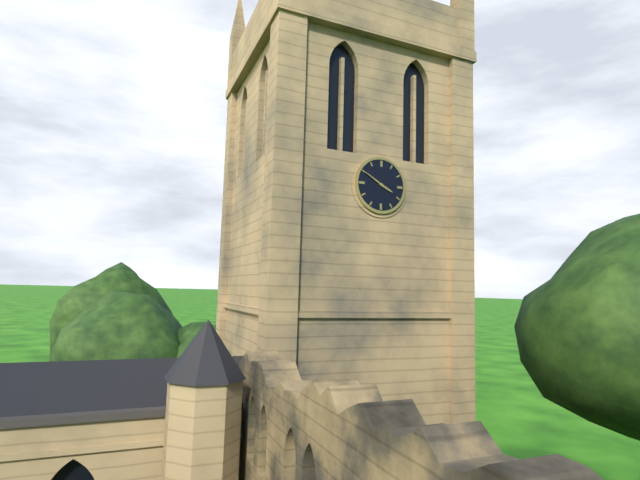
3:50
